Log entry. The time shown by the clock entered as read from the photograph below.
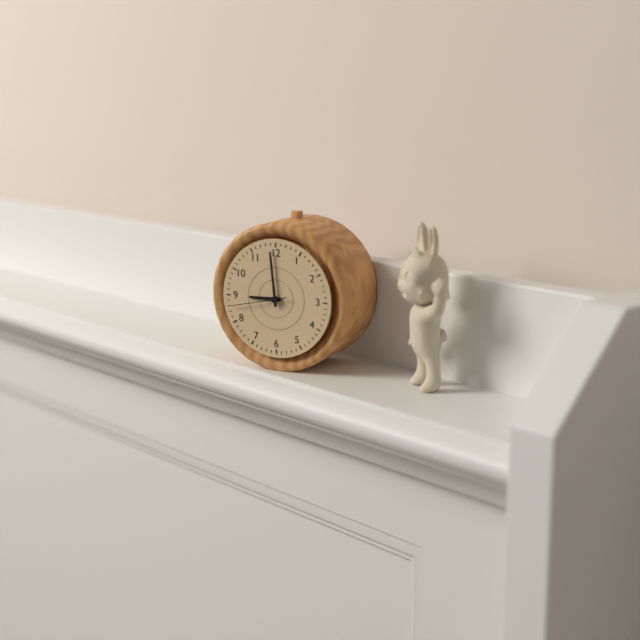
8:59:43
